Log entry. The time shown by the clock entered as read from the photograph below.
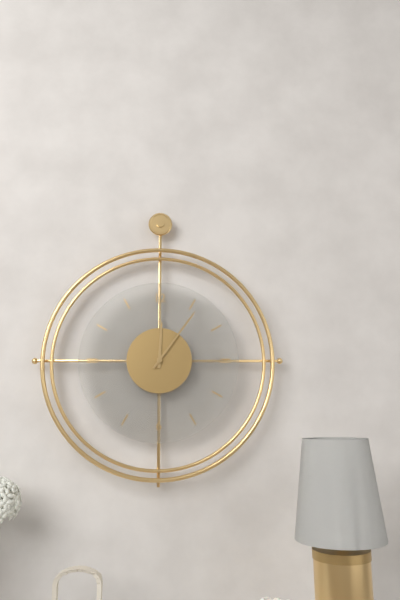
12:06
